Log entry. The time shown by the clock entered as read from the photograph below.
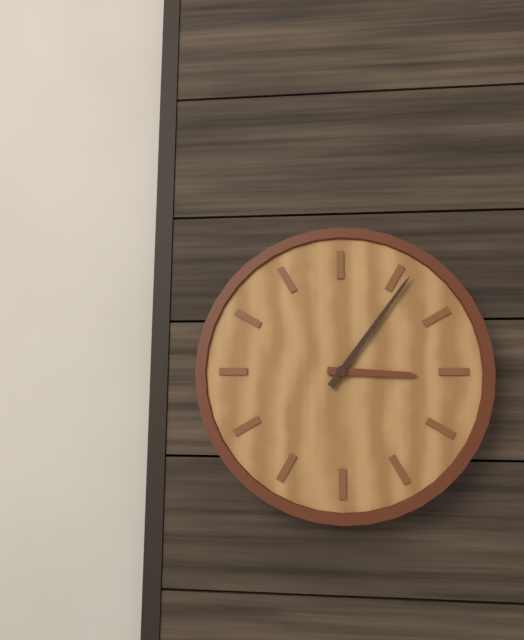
3:06
